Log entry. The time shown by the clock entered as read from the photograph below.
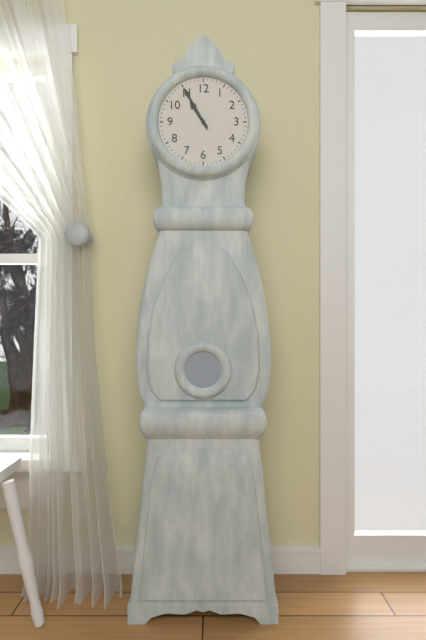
10:55
